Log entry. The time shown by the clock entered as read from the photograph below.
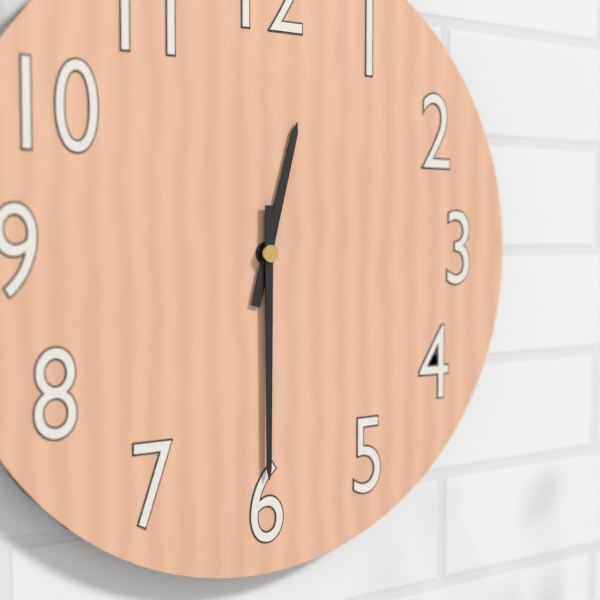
12:30
